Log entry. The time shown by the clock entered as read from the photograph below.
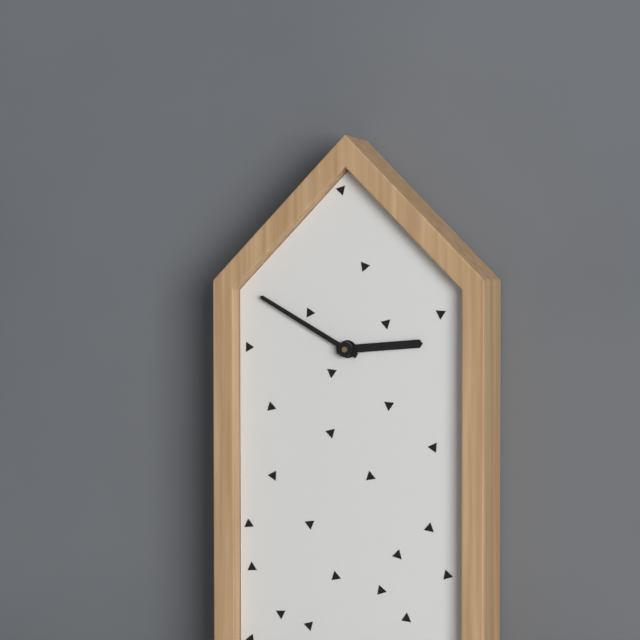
2:50
